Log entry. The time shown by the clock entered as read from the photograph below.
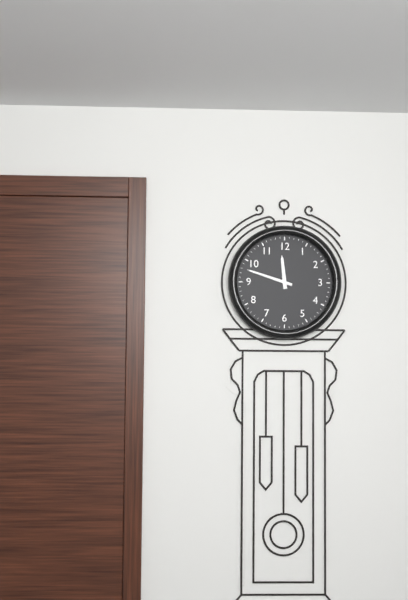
11:48
